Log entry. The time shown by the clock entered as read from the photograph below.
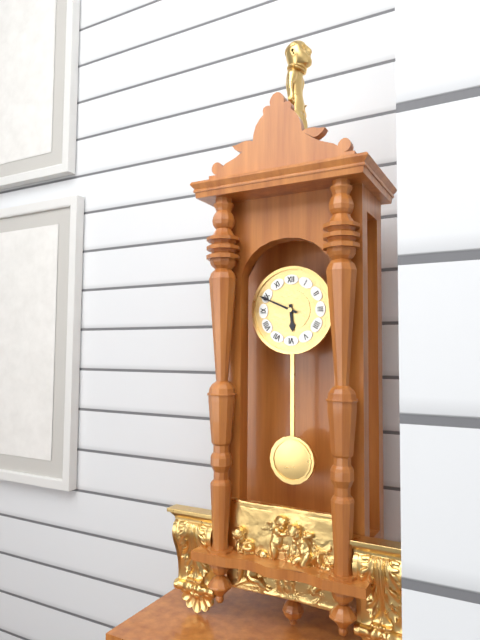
5:49
